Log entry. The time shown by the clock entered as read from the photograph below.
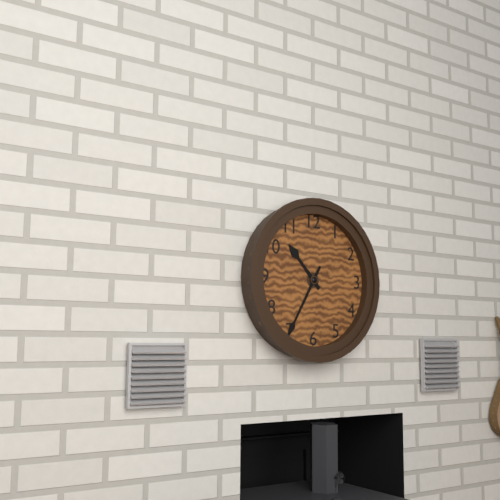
10:35
